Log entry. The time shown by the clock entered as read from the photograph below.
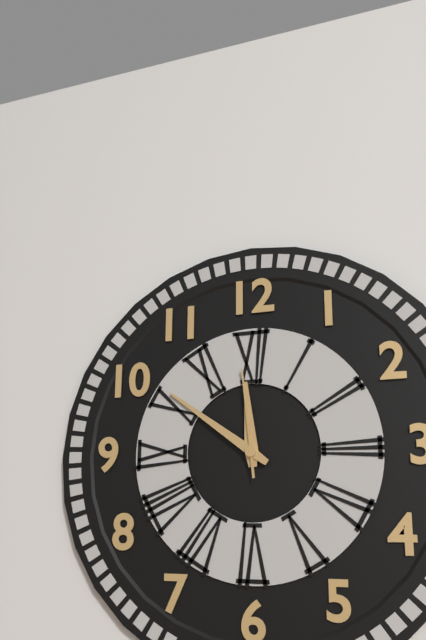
11:51:59
